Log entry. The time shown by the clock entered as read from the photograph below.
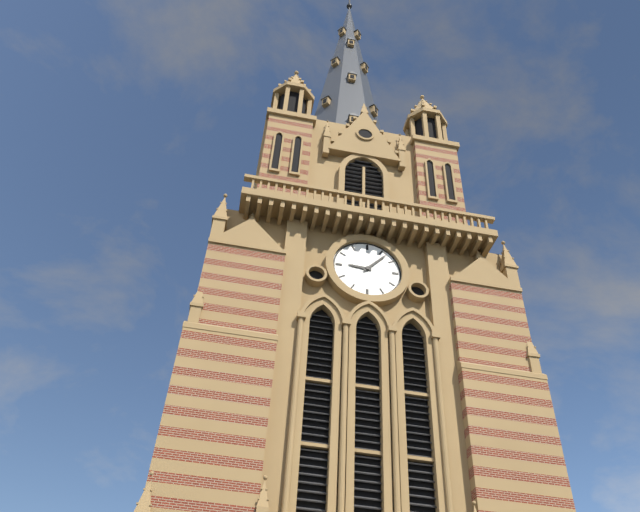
9:07
